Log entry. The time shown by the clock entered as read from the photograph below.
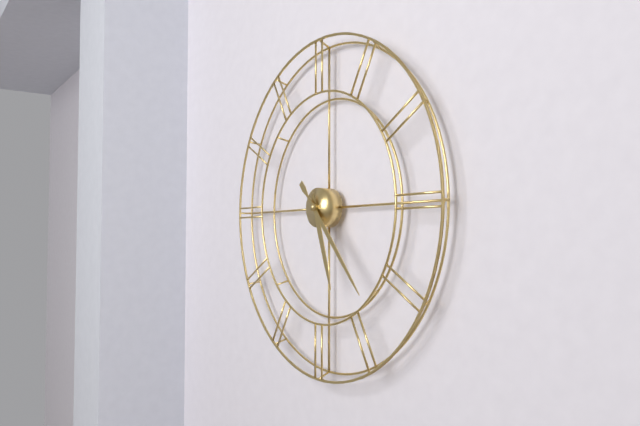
5:23
